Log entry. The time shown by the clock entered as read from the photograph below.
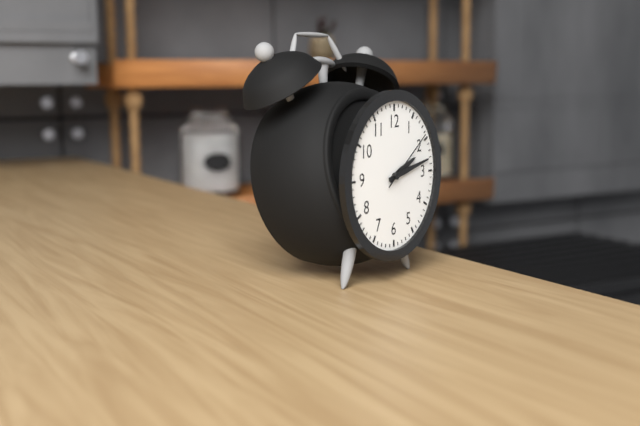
2:13:09
